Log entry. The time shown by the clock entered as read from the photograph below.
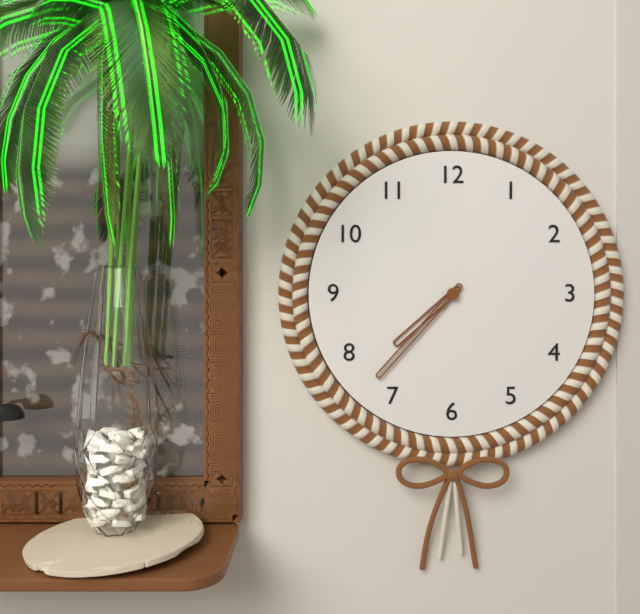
7:37
